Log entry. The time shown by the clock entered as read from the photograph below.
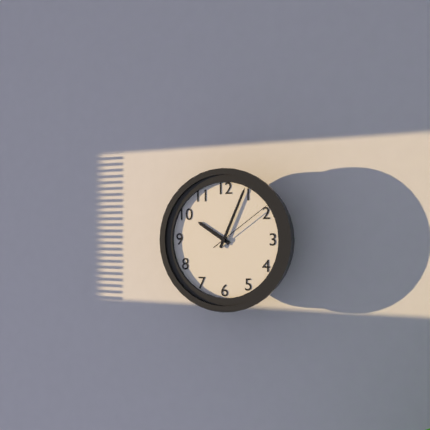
10:04:09
